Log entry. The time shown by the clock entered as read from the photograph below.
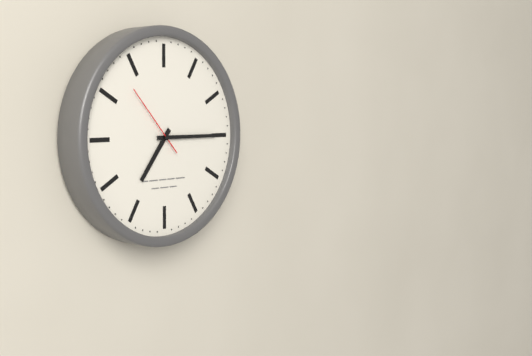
7:15:53
